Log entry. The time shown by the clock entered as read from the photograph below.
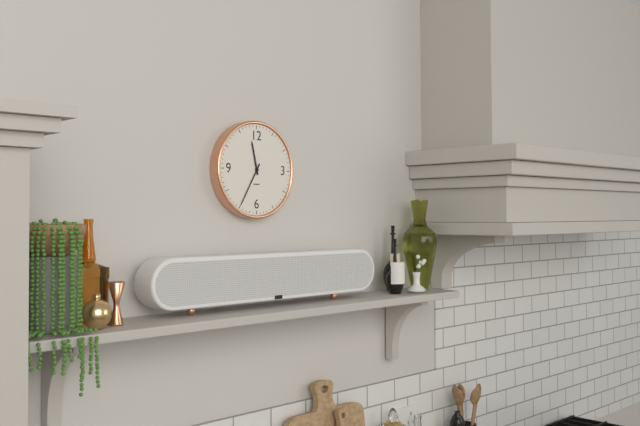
11:35
